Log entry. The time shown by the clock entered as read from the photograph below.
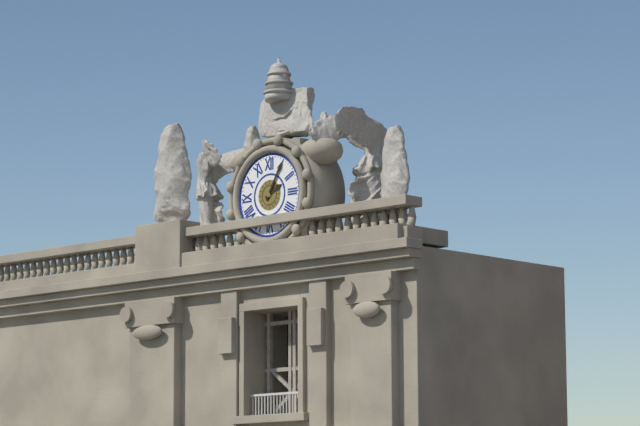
2:05
